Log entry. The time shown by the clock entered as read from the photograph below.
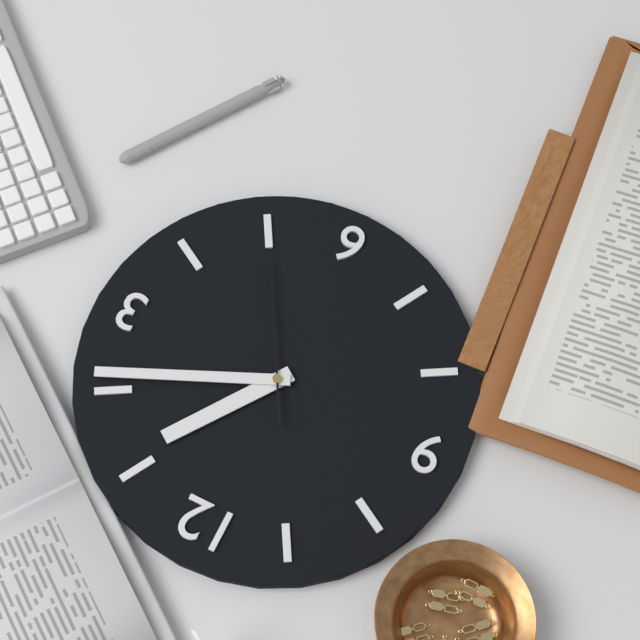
1:11:25
